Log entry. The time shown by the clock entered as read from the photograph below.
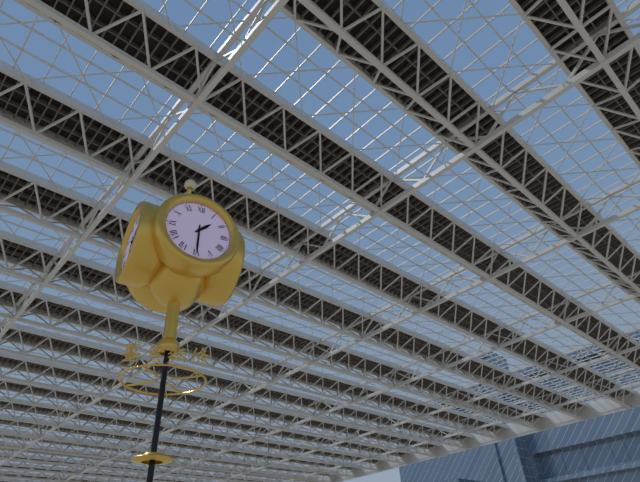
1:30
